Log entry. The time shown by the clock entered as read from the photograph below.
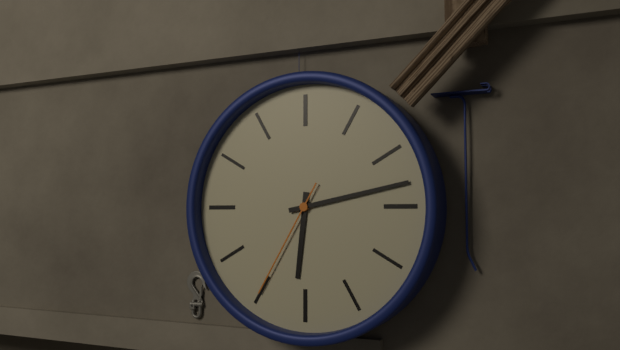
6:13:35
